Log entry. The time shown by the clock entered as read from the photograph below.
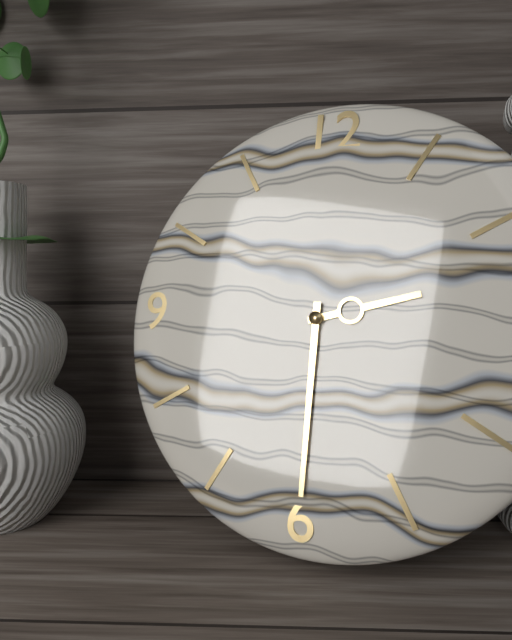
2:30
